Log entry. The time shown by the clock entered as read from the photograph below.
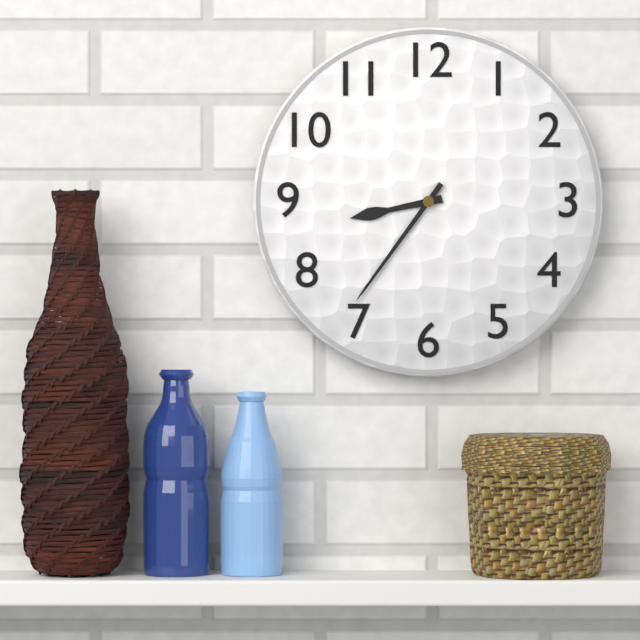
8:36
